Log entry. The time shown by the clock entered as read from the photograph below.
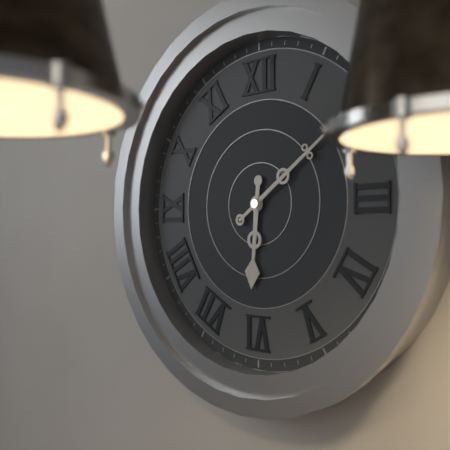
6:09
